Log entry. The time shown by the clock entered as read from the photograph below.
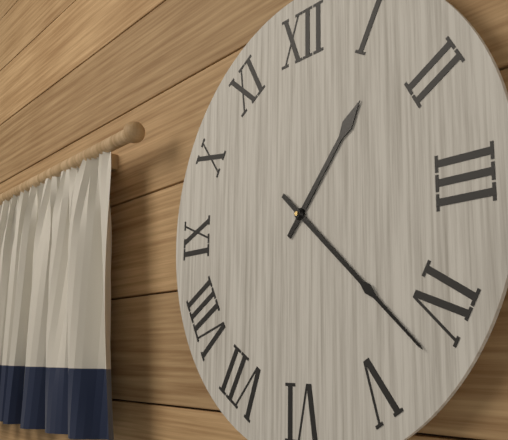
1:22
